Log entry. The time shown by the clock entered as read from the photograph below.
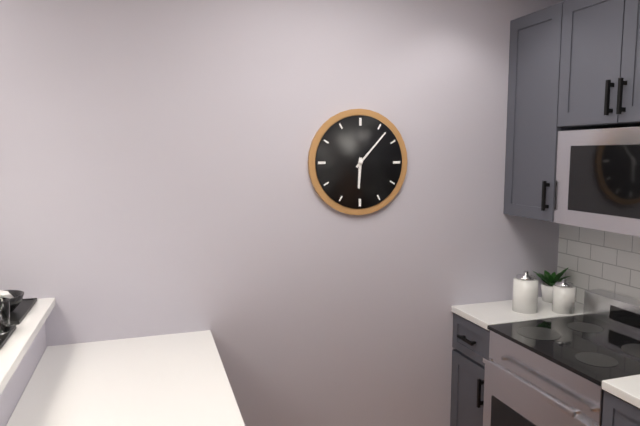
6:07
